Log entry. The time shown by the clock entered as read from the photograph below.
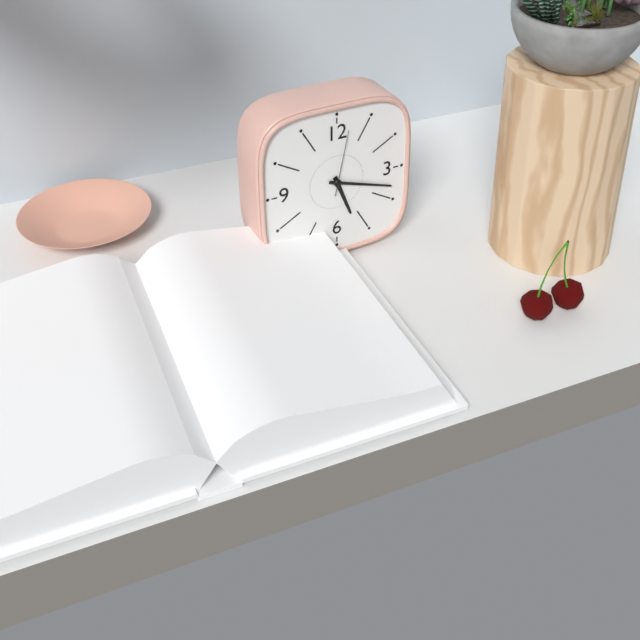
5:18:02
